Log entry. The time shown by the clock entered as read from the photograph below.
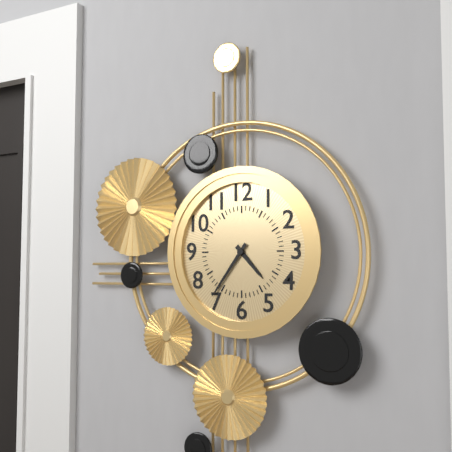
4:36
